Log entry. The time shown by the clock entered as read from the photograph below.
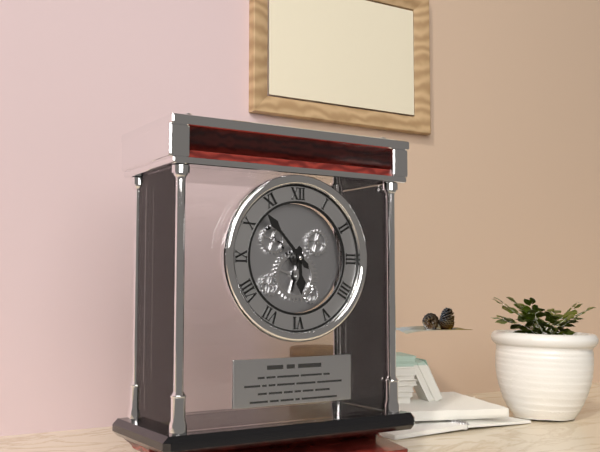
5:53
